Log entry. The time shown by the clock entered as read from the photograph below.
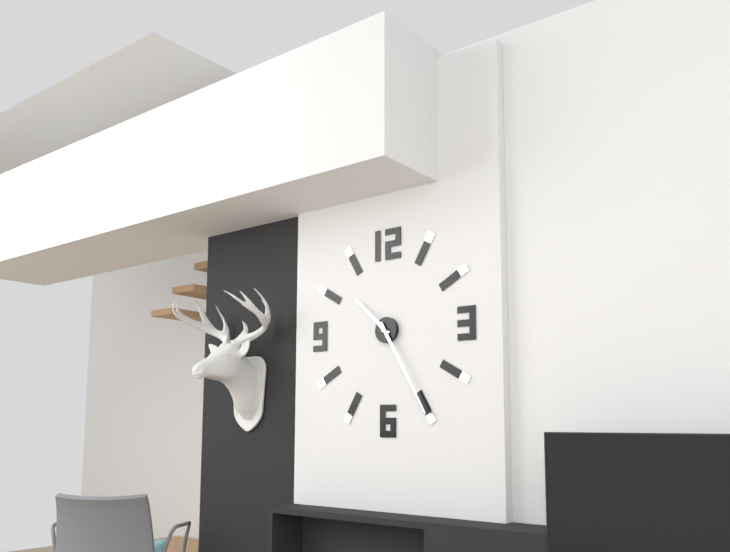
10:25
